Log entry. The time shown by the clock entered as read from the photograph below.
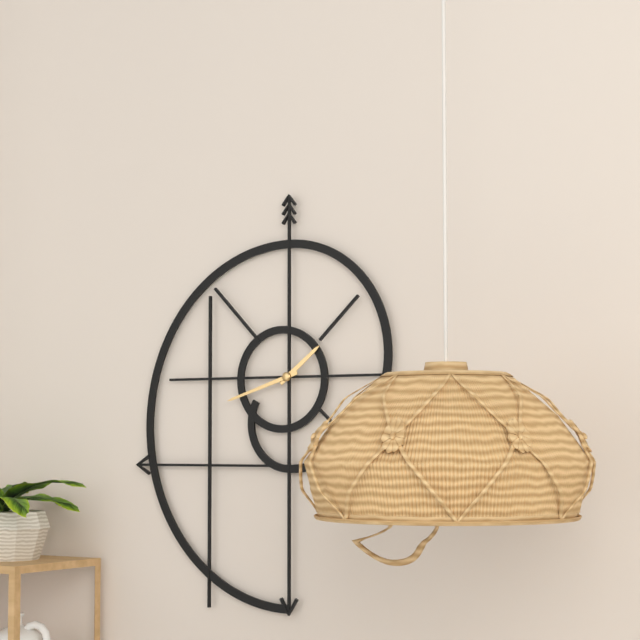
1:42
